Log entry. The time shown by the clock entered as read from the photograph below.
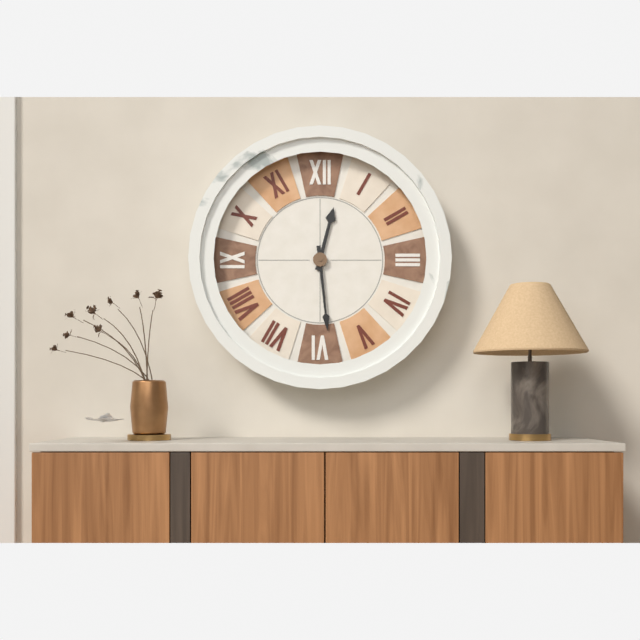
12:29
